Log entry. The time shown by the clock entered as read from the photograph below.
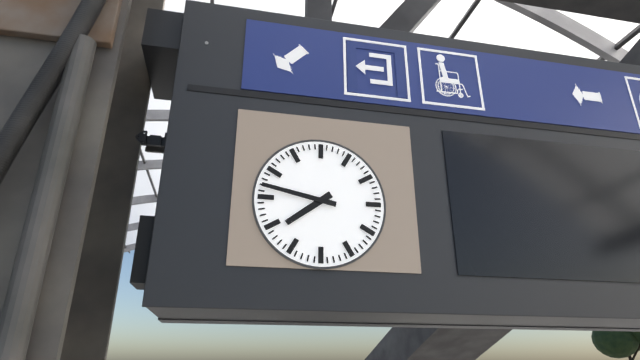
7:47
